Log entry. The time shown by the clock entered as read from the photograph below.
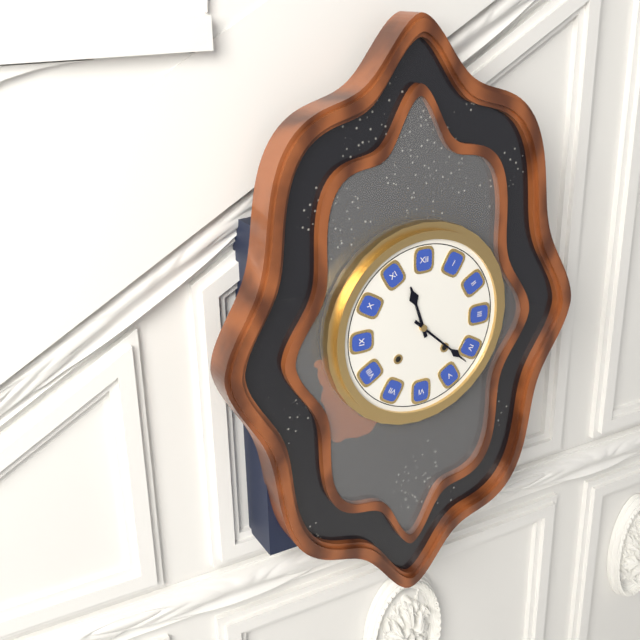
11:22
